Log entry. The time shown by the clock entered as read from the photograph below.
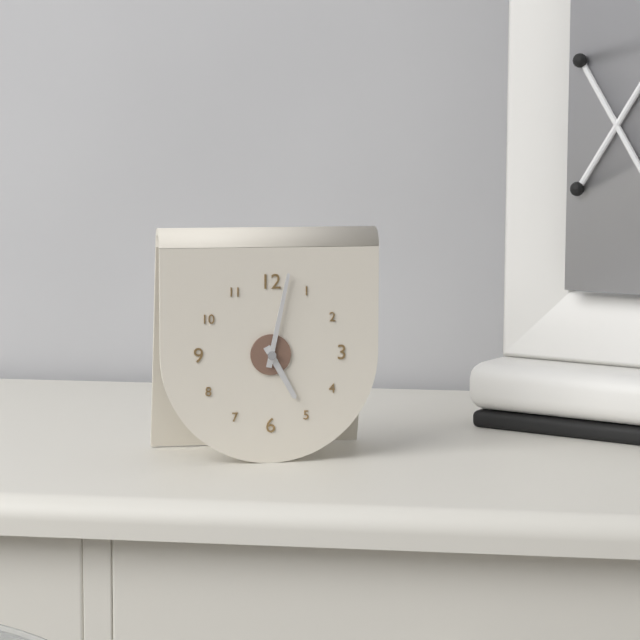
5:02
